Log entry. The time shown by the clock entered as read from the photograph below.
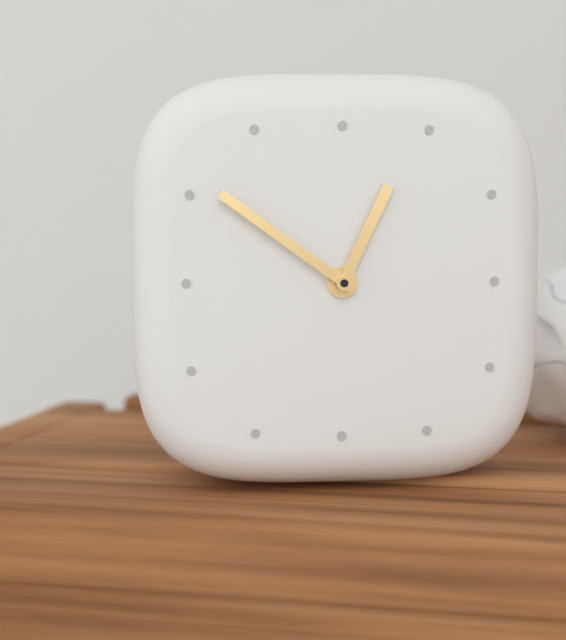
12:51
